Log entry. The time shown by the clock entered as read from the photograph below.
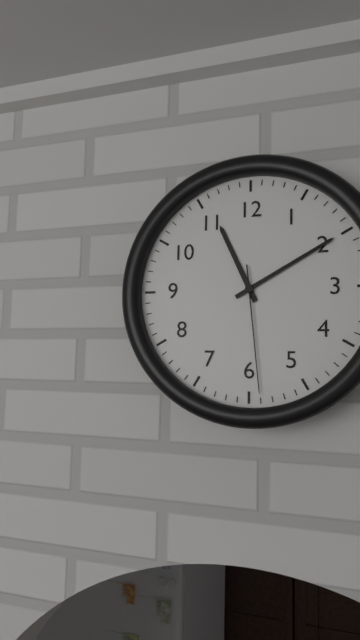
11:10:29
